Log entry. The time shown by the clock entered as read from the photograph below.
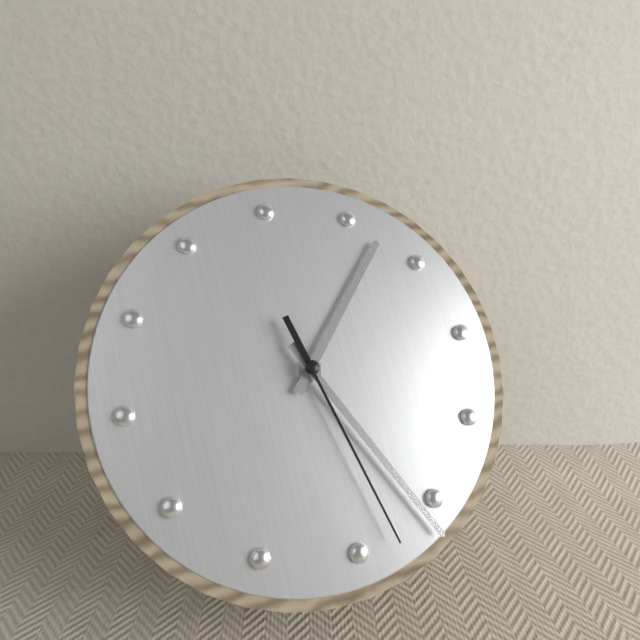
1:26:28
